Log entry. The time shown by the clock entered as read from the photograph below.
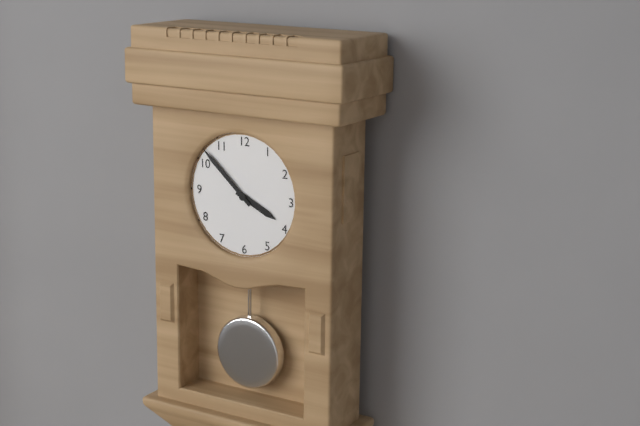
3:52
